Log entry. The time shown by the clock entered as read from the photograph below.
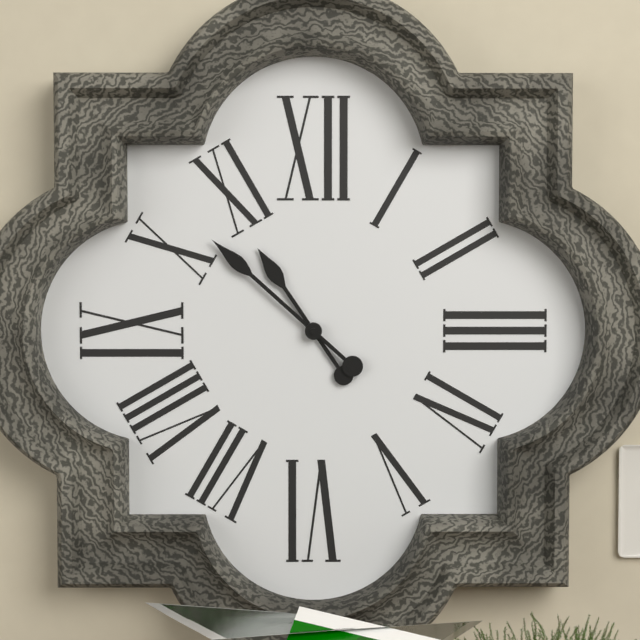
10:52
